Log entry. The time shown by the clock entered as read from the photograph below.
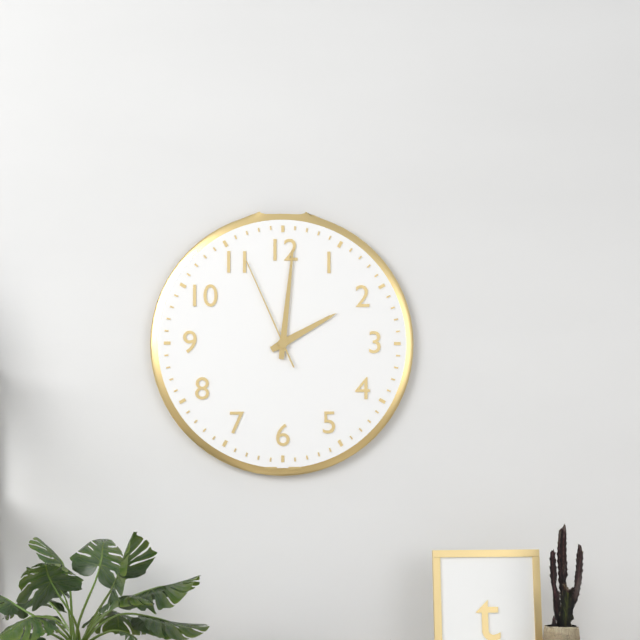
2:01:56
